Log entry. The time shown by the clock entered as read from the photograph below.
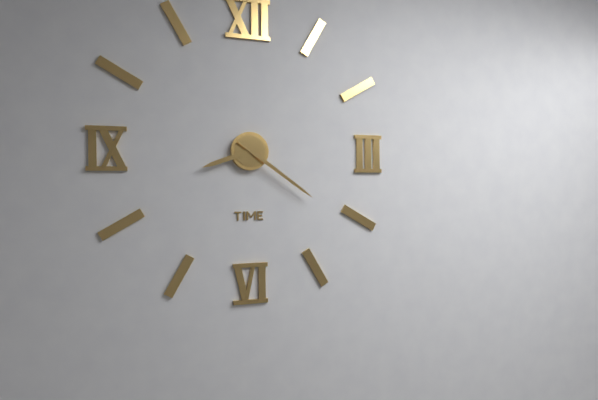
8:21
